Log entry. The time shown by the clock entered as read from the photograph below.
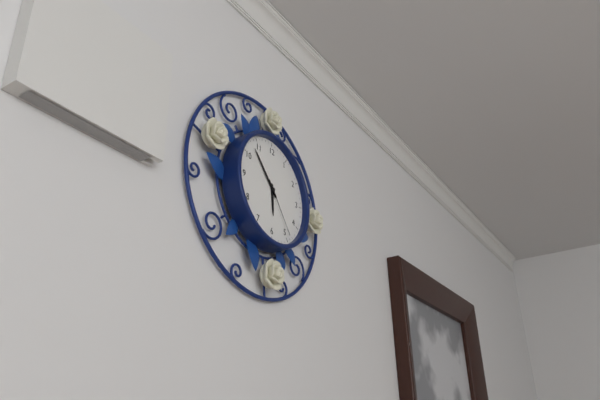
5:53:24
